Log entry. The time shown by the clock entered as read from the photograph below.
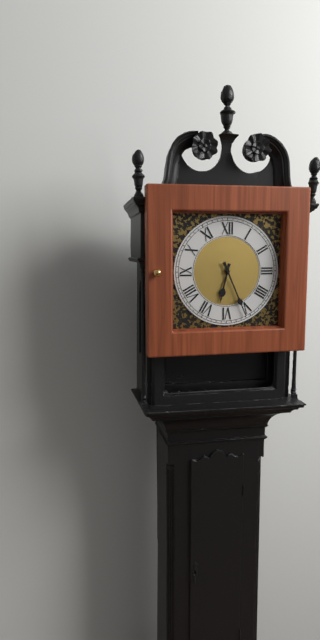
6:26
